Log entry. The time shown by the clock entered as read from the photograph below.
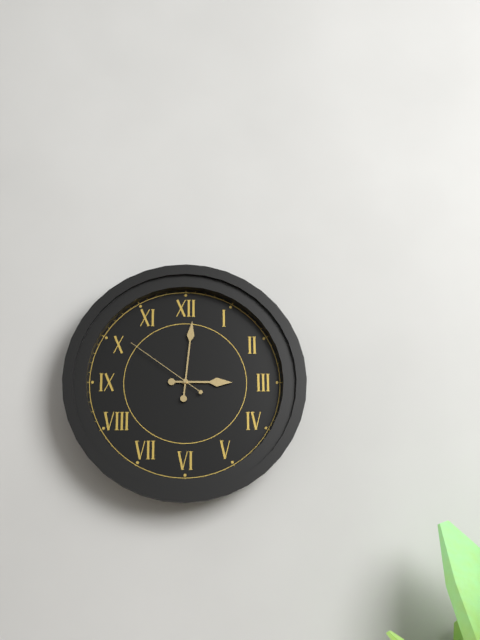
3:01:51
